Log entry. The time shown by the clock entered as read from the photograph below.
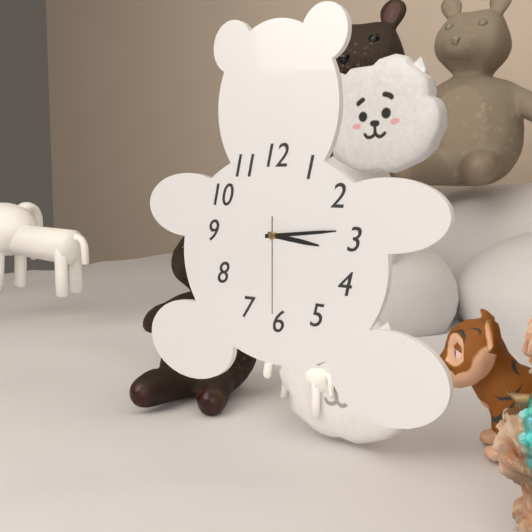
3:14:30
